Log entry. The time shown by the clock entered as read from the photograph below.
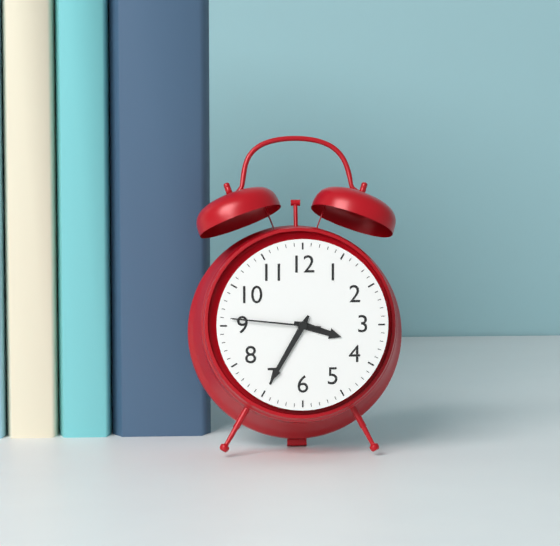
3:35:46
